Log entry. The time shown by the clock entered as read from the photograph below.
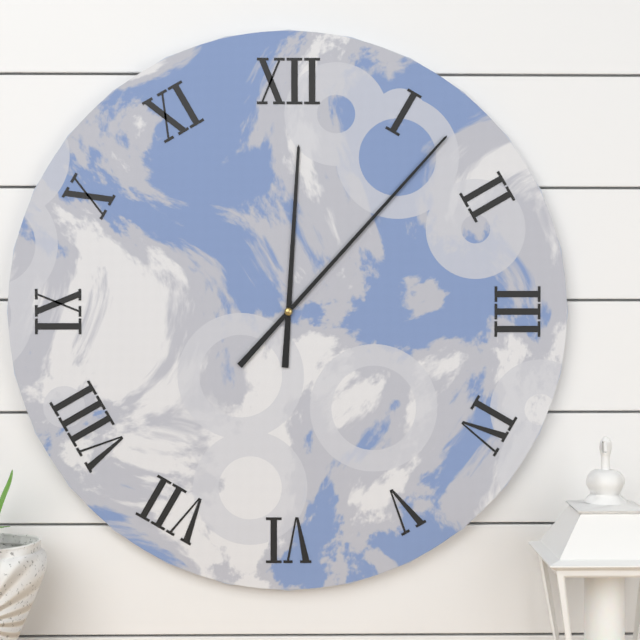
12:07
